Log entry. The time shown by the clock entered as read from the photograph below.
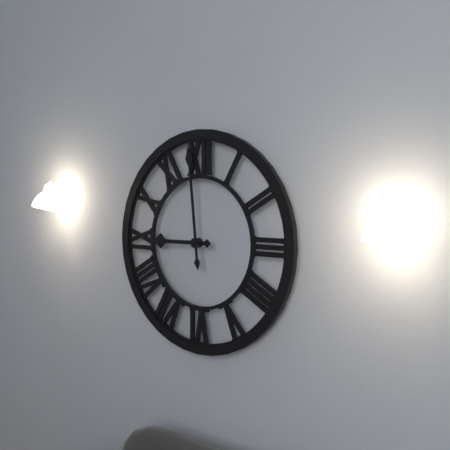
8:59
